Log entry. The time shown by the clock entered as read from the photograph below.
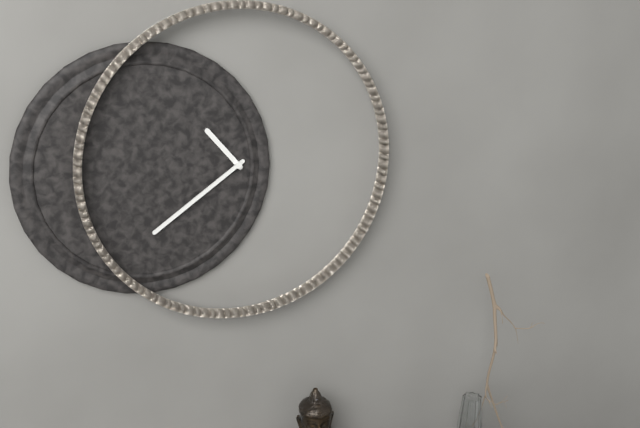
10:39
